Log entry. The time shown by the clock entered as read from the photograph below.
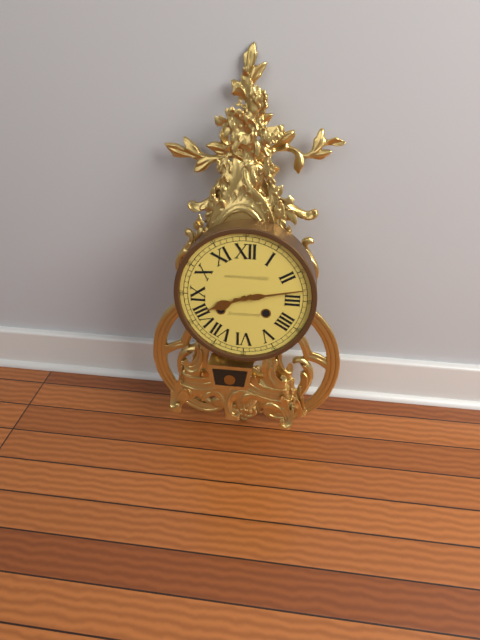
8:13
